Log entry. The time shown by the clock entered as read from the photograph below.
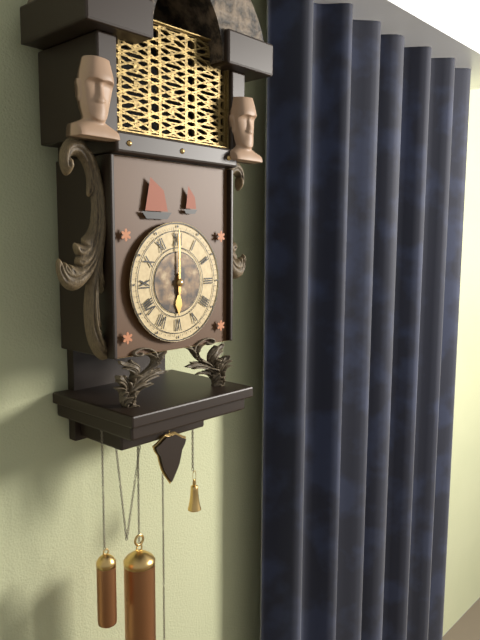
6:00
